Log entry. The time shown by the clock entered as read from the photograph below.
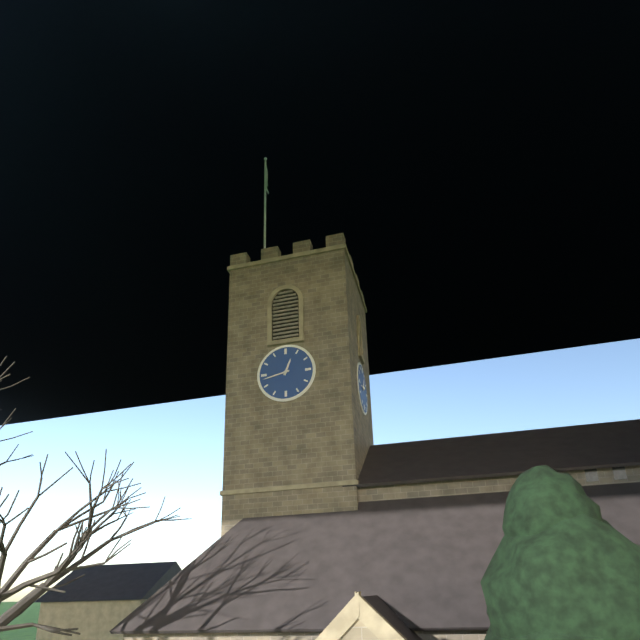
12:43
